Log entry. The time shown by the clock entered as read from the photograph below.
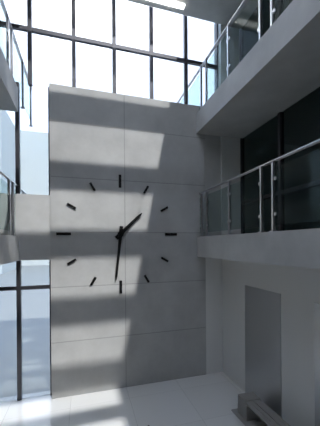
1:31
